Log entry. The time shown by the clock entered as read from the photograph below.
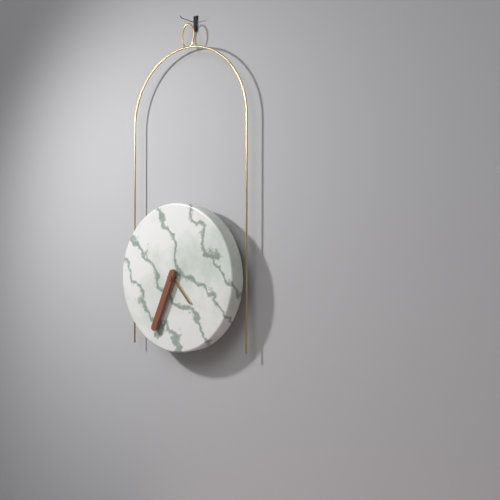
4:34
